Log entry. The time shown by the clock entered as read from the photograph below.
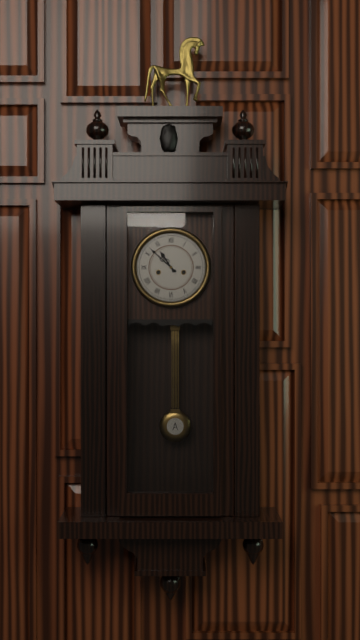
10:52
